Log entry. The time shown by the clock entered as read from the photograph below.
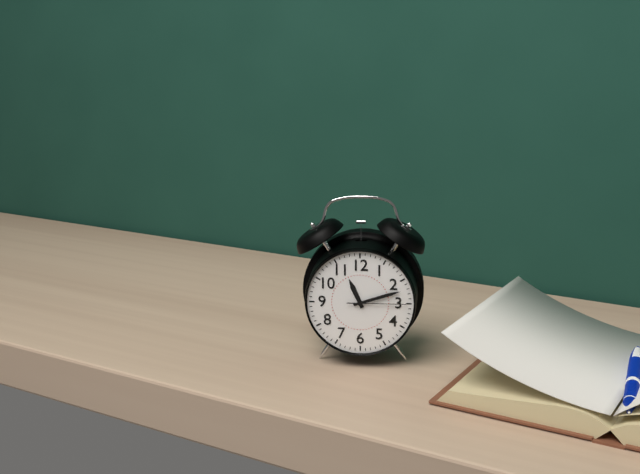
11:12:15
